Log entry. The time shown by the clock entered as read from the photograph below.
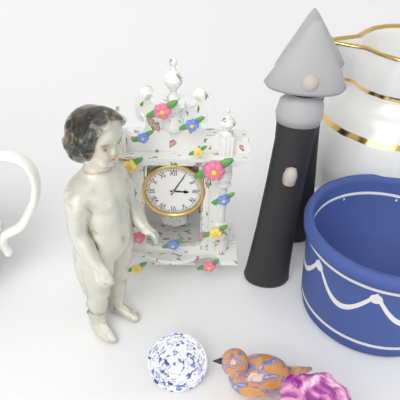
3:05
